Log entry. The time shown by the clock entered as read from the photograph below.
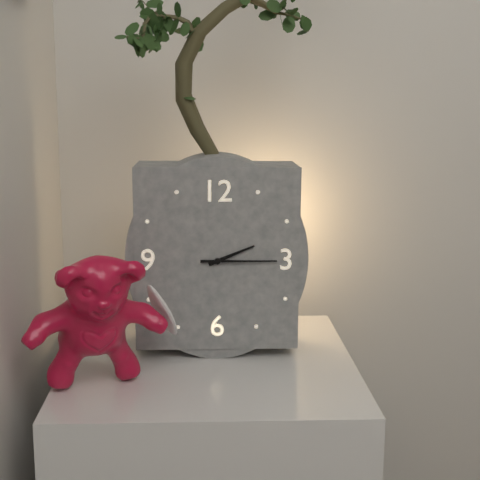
2:15
